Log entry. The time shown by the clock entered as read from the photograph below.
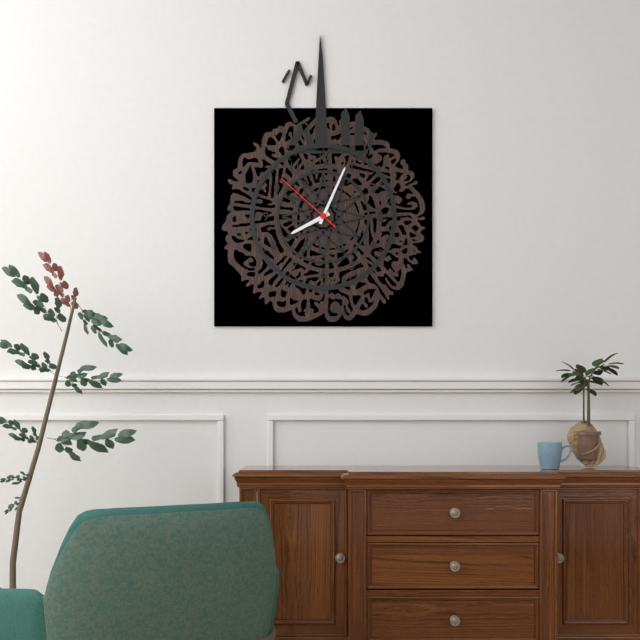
8:04:52
